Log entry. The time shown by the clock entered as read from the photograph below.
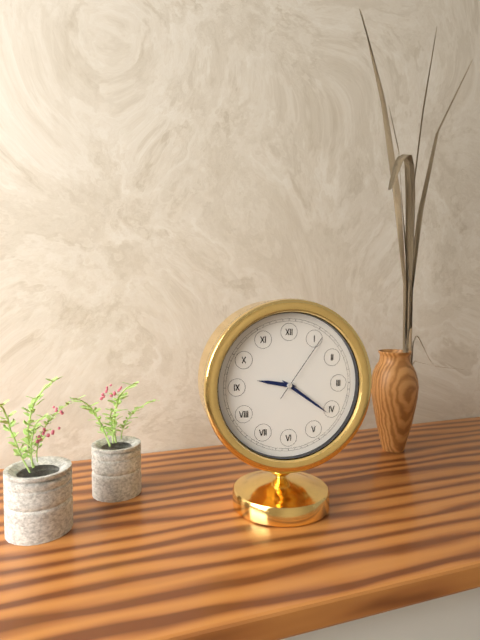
9:21:06
